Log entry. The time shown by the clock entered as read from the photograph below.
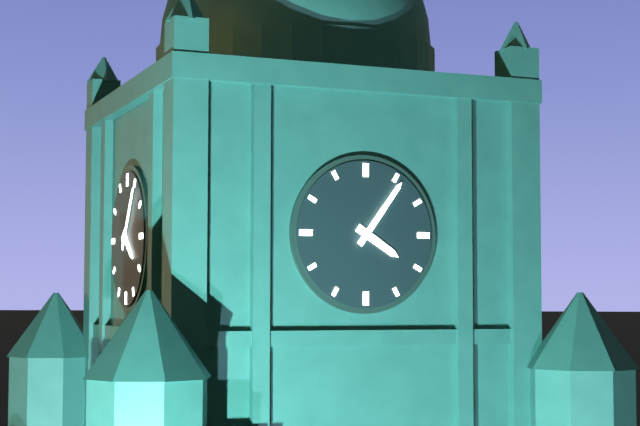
4:06
